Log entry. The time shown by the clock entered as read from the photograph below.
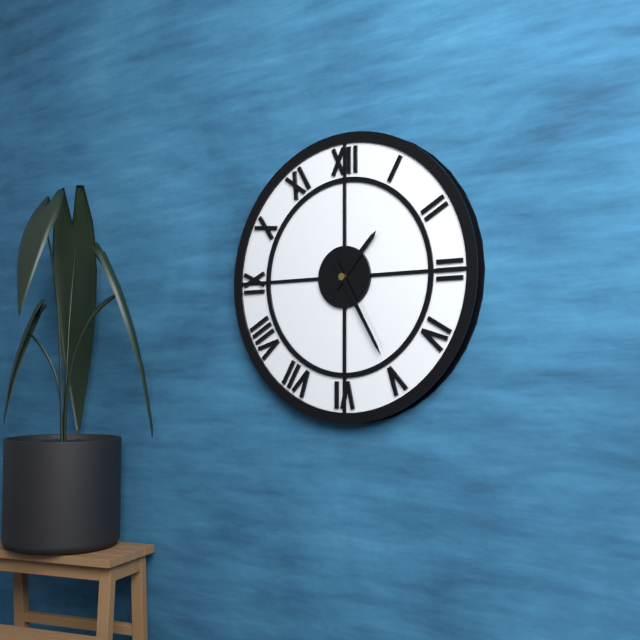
1:25
